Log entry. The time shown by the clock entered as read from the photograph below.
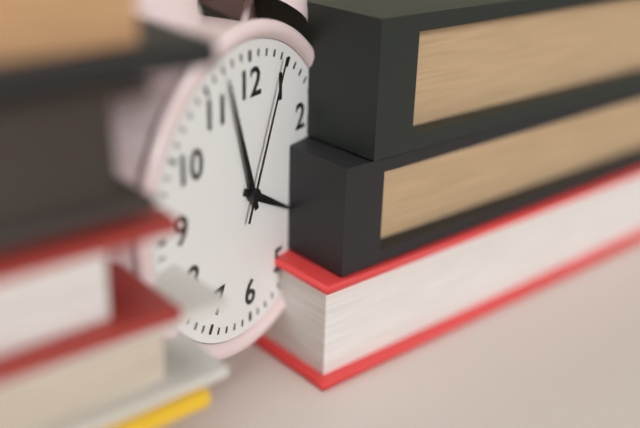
3:57:04
